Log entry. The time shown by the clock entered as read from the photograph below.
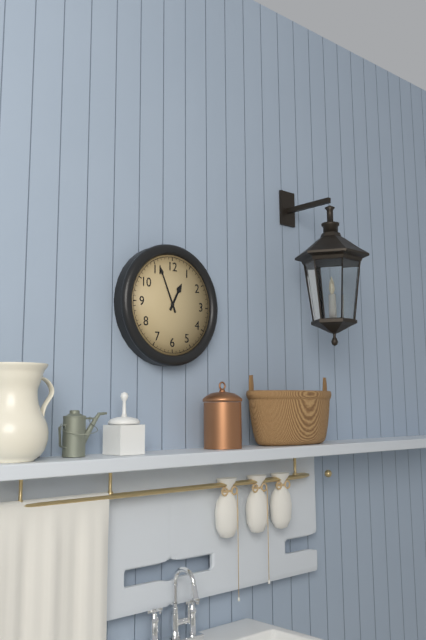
12:56
